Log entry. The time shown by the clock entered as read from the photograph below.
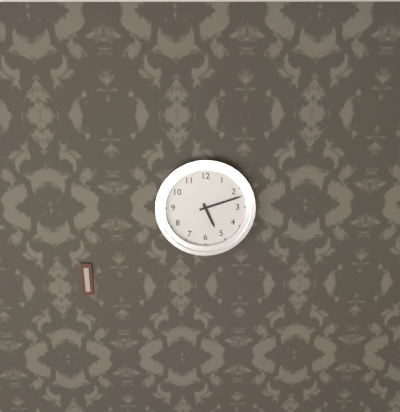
5:12
